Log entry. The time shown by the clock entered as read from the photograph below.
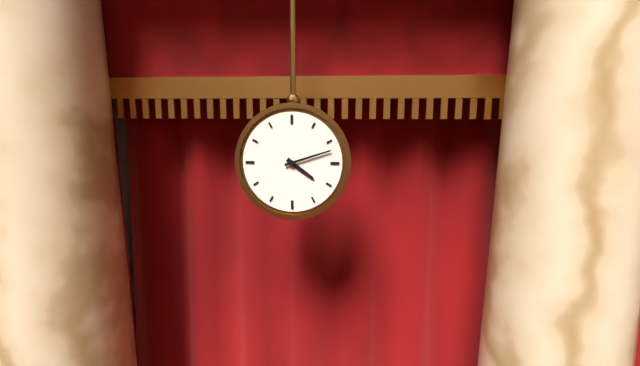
4:12
